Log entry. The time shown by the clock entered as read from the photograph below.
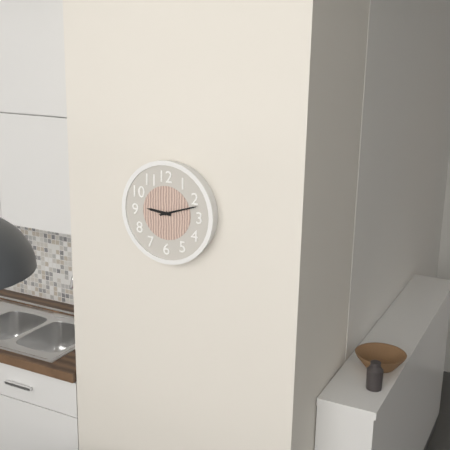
9:12
